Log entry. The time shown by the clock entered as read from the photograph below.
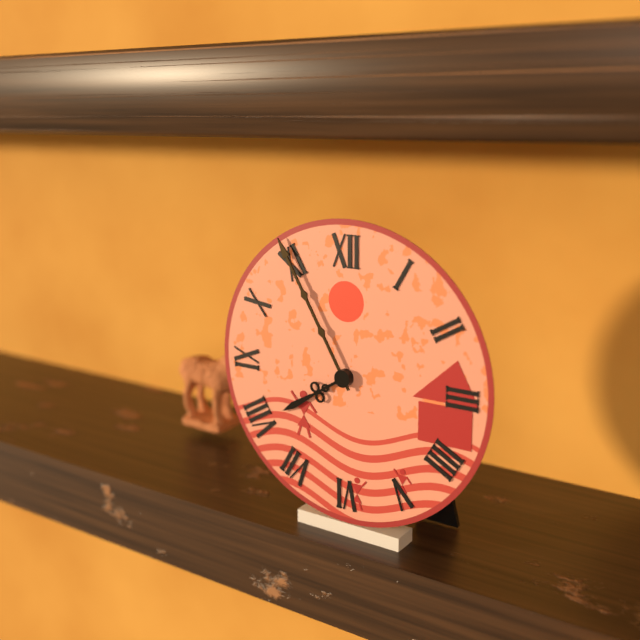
7:55
